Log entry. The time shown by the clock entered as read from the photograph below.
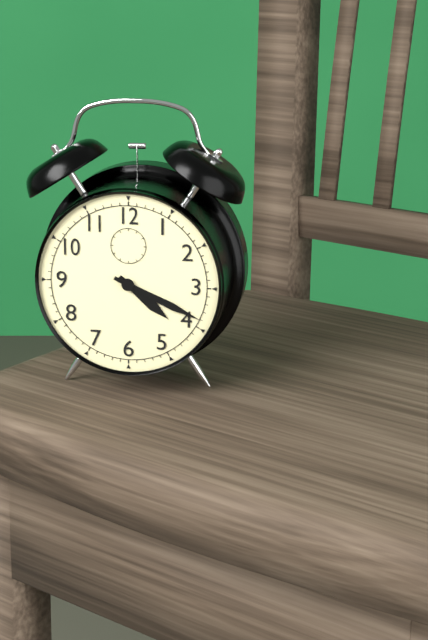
4:19
